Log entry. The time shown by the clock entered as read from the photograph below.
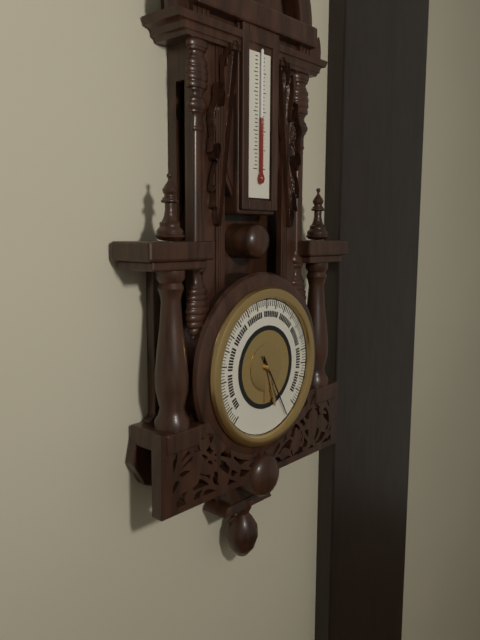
5:25
